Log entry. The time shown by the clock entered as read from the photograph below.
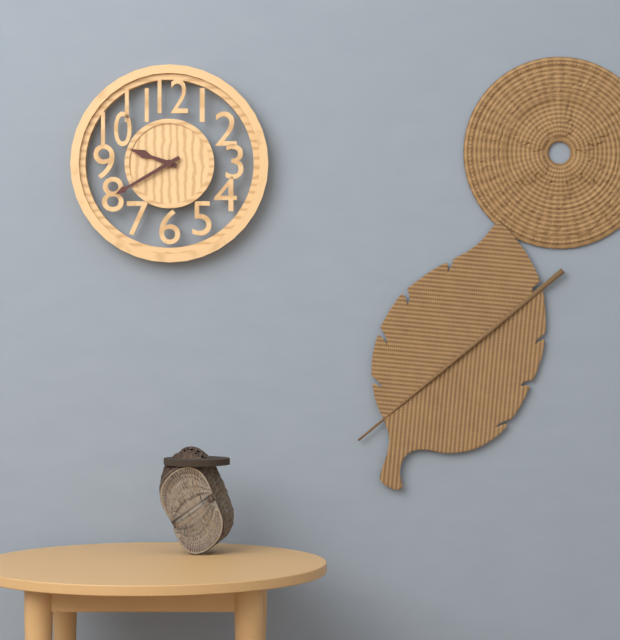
9:40
